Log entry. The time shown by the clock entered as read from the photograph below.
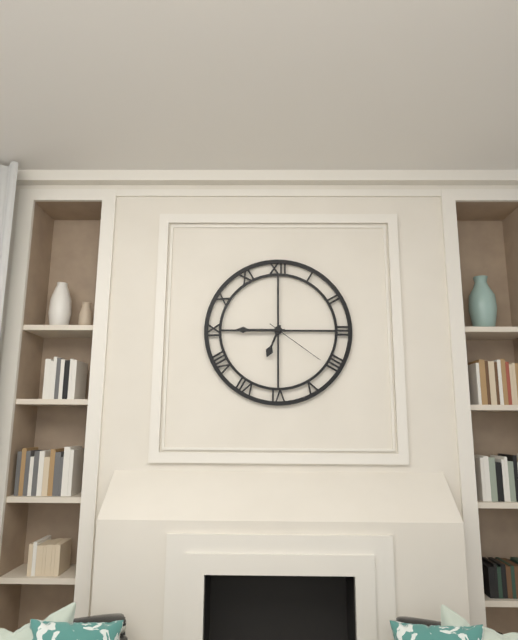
6:45:21
